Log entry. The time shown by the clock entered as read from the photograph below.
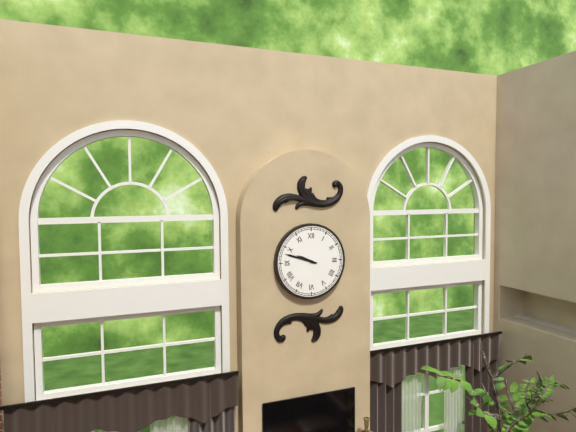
9:48
